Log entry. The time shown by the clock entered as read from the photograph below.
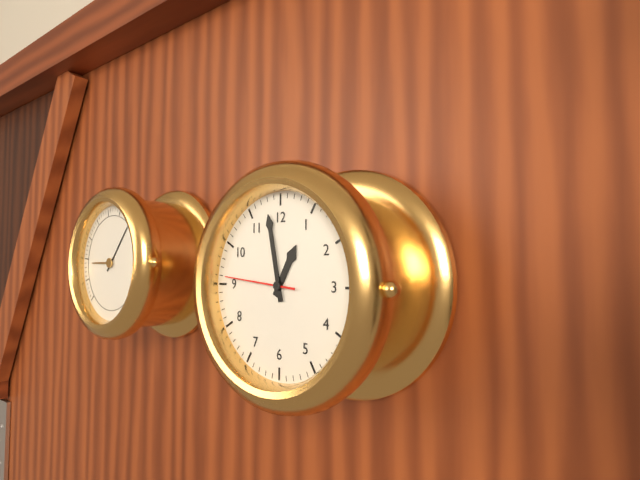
12:58:46
